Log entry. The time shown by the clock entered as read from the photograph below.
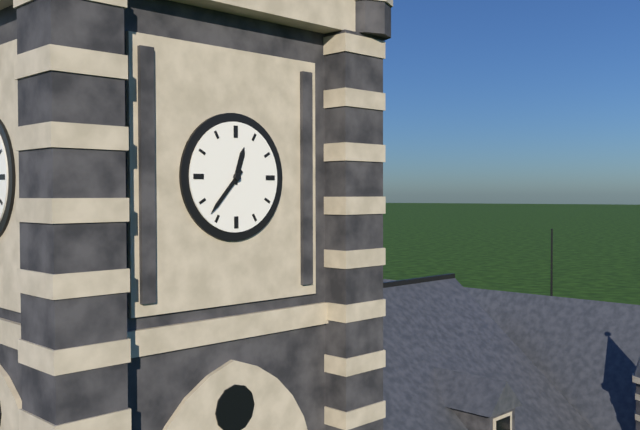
12:37
